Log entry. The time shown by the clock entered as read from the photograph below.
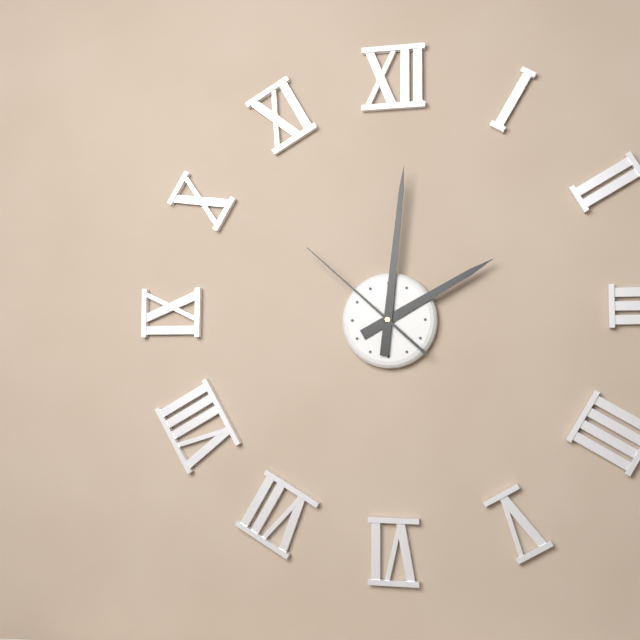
2:01:52
